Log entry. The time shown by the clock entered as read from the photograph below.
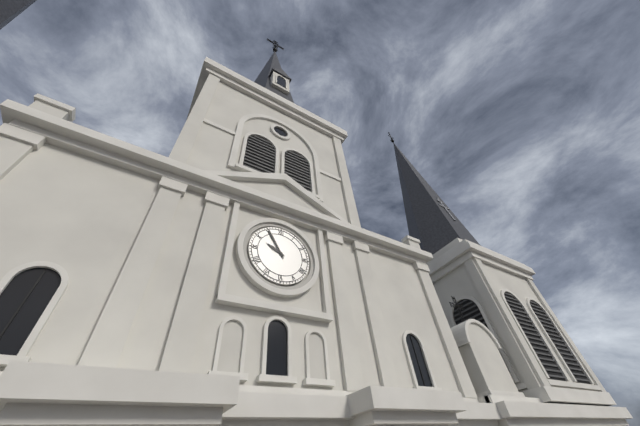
9:55
